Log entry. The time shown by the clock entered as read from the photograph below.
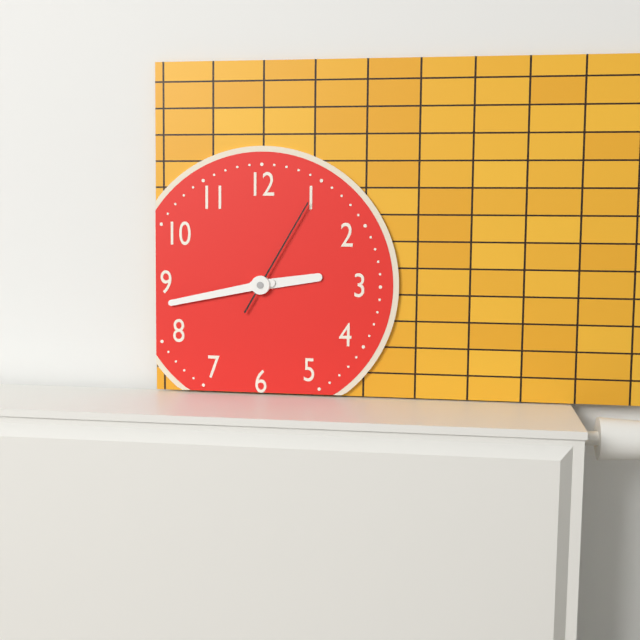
2:43:05
